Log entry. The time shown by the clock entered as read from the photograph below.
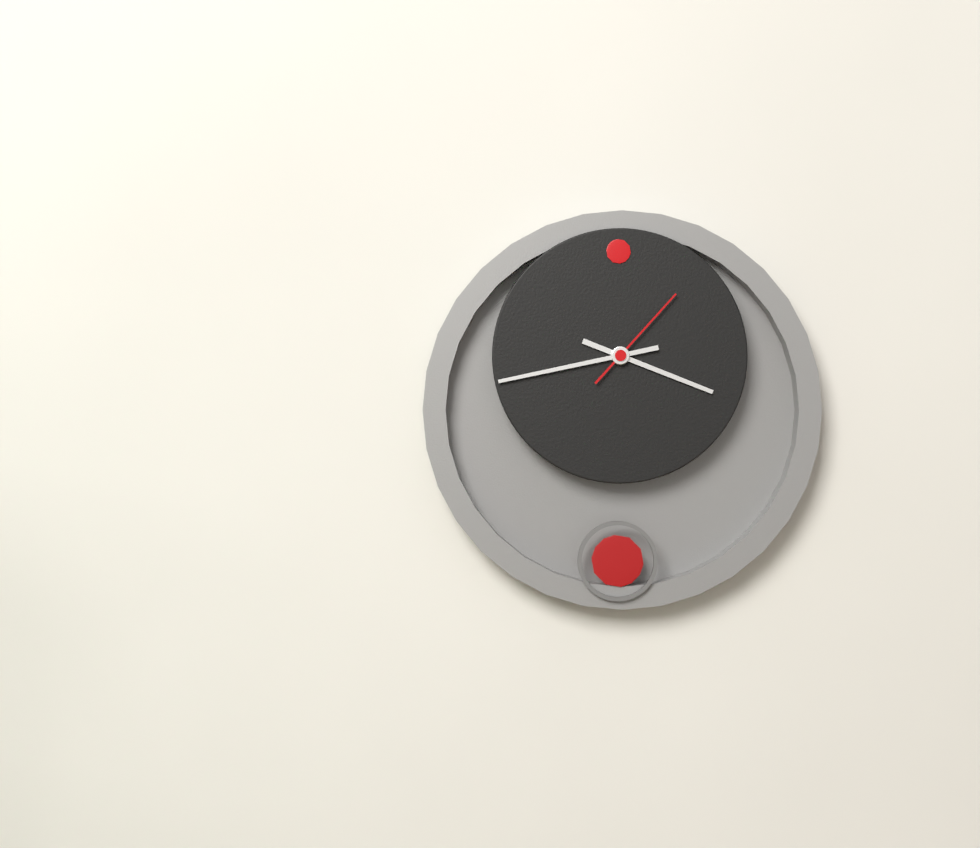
3:43:07
